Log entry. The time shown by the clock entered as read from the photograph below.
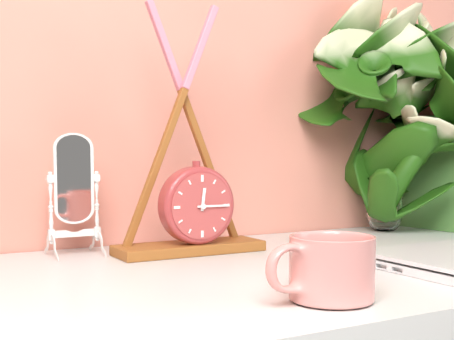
12:15
